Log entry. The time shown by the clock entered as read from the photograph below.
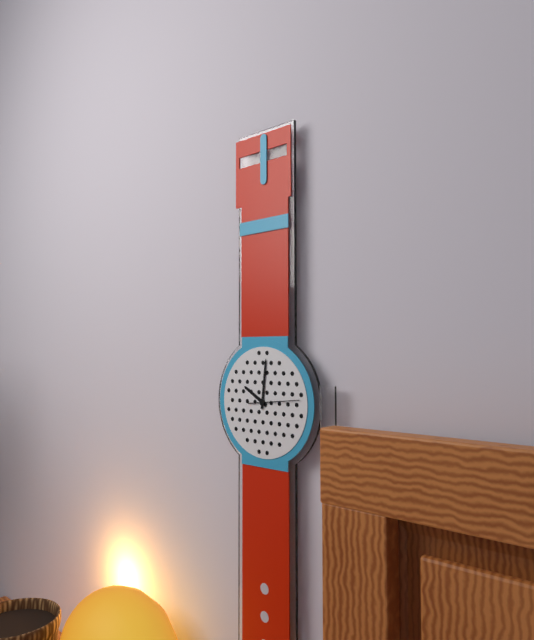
10:01
